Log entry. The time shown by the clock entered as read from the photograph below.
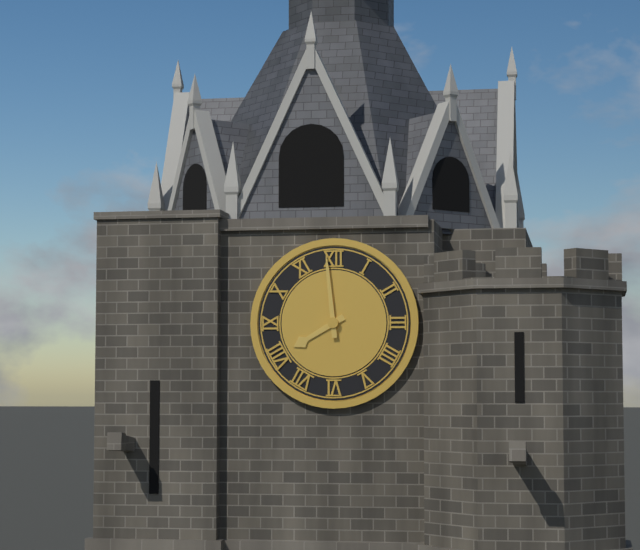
7:59
